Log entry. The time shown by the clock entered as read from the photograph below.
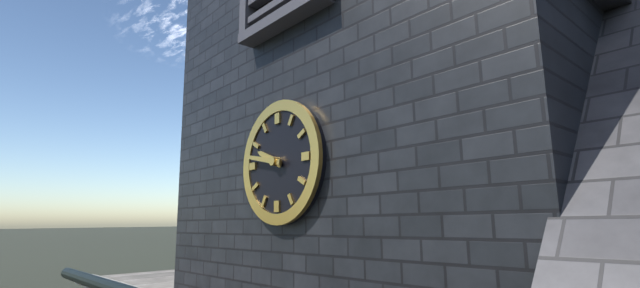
9:47
